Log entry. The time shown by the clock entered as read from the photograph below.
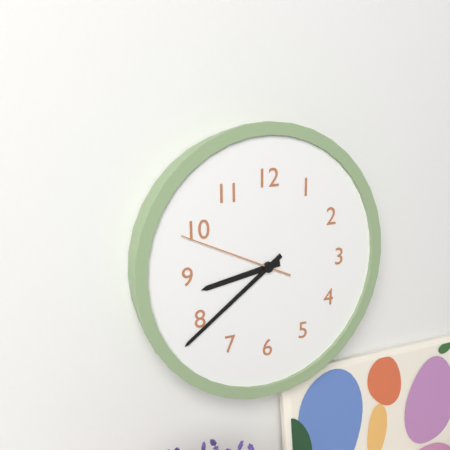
8:39:49
